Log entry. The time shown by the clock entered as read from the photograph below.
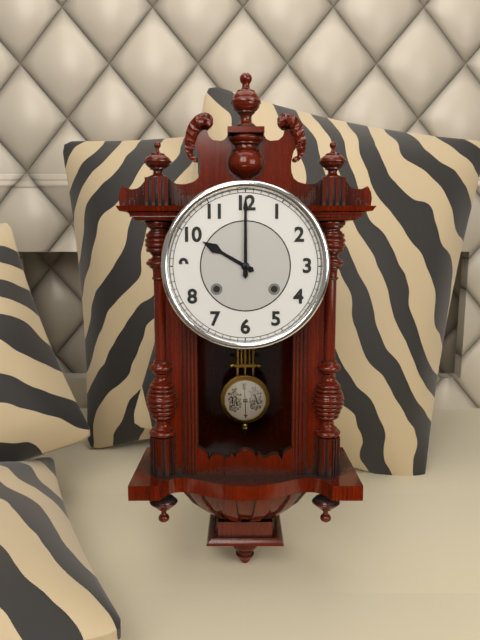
10:00
